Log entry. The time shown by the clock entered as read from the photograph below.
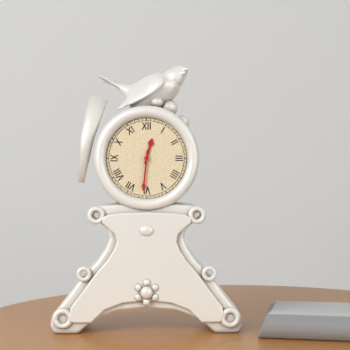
12:31
